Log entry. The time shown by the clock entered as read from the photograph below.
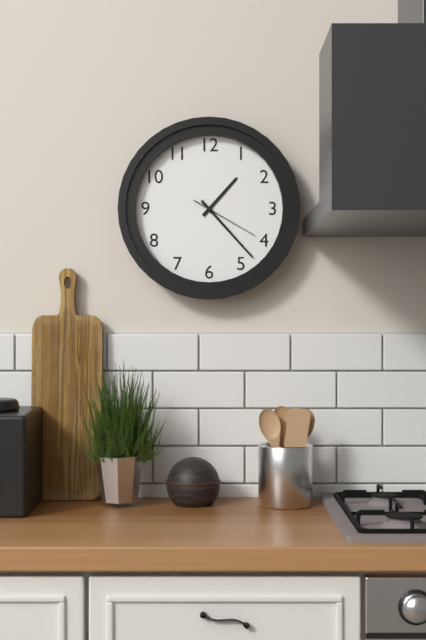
1:23:20
